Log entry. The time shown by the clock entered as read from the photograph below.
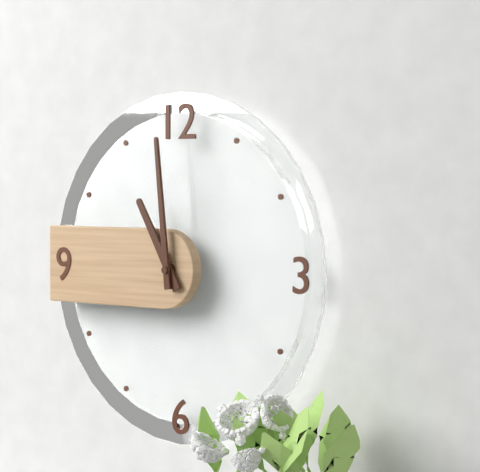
10:59
